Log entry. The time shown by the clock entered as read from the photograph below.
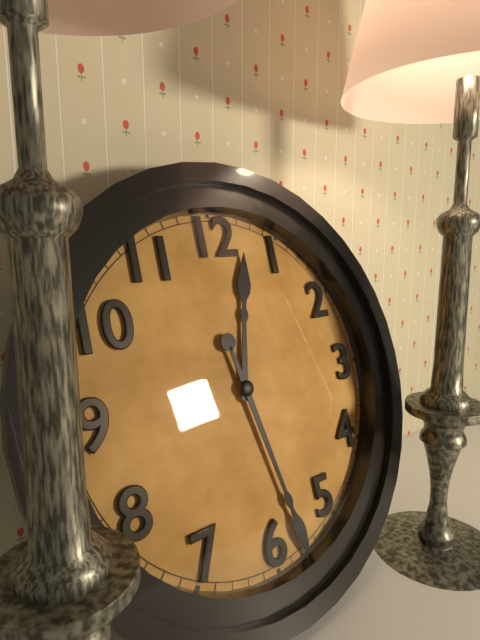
12:28
